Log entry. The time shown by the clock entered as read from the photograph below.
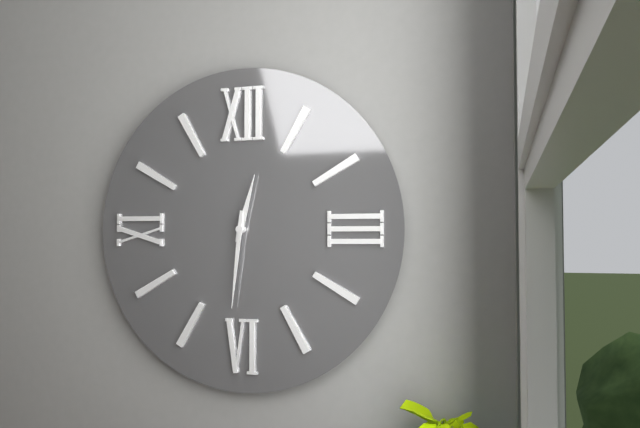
12:31
